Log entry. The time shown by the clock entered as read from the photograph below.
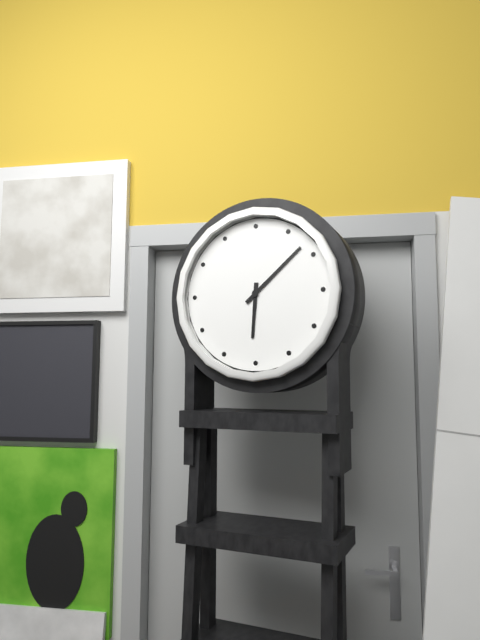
6:08
